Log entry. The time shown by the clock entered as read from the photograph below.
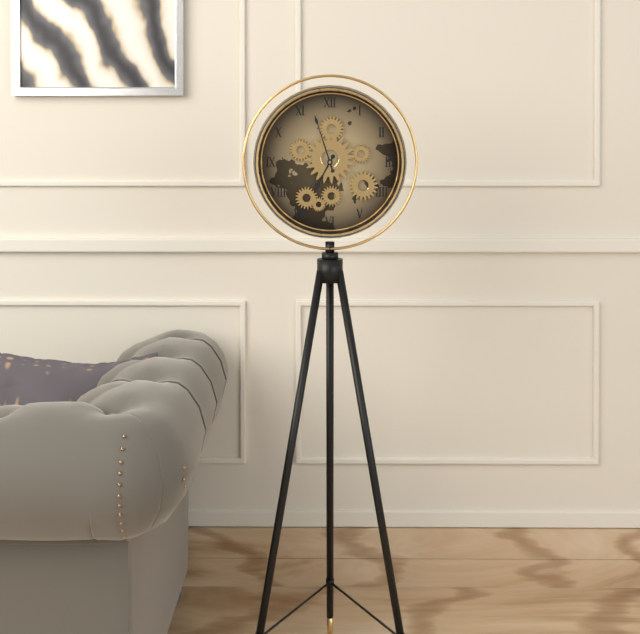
6:57
